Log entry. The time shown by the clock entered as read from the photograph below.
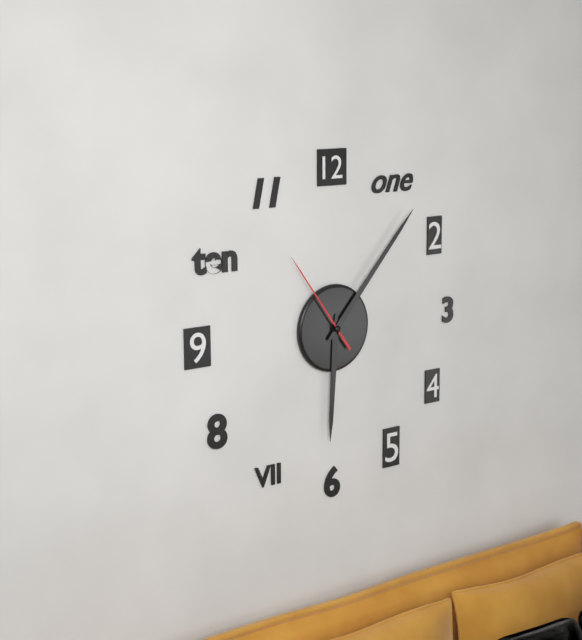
6:07:54
